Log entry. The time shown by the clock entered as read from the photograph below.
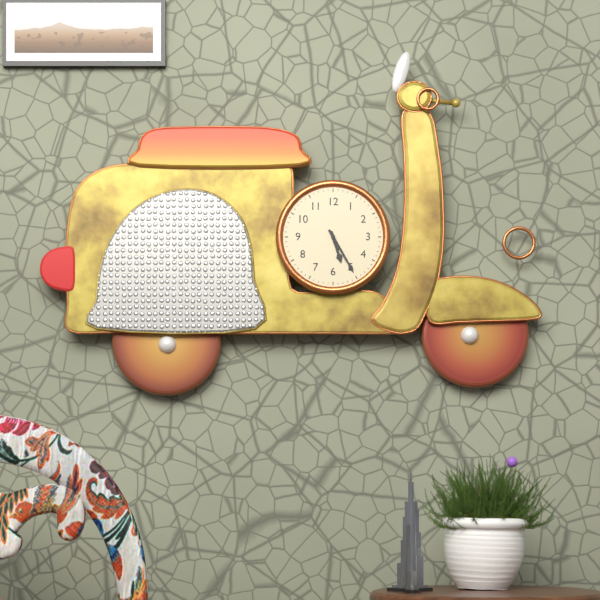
5:25
